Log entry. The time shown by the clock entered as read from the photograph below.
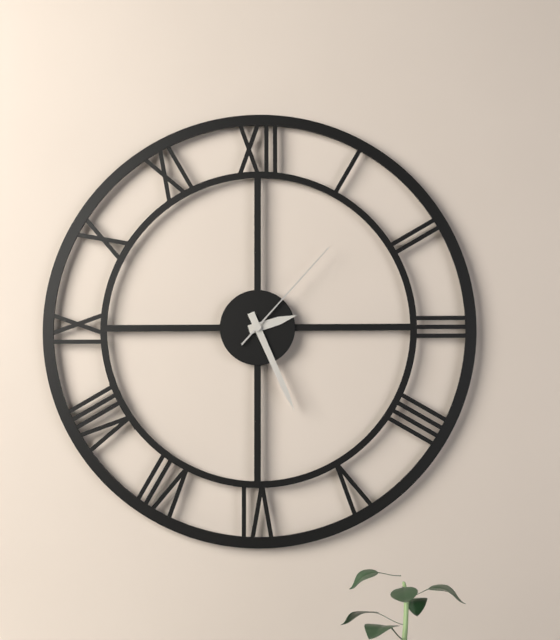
2:26:07
